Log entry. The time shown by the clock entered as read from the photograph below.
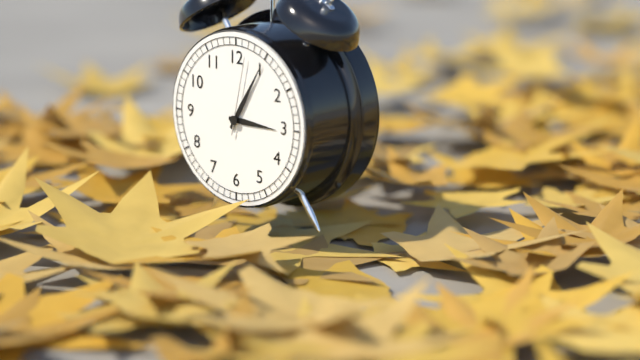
3:05:02
